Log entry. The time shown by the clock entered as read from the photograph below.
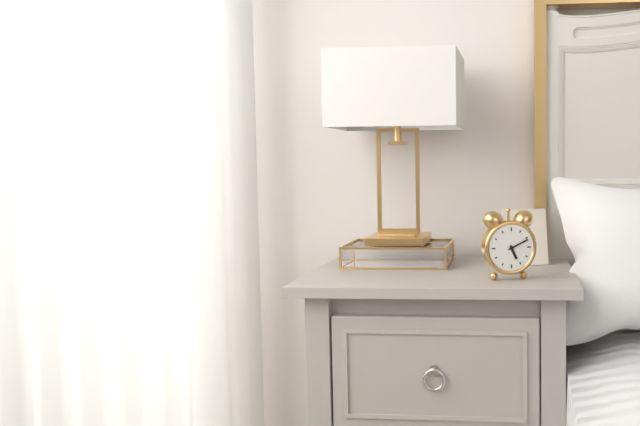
5:11
